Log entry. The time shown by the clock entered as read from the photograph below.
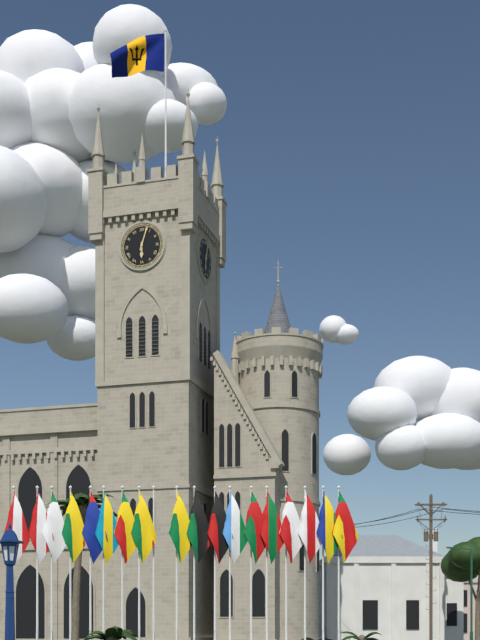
6:03
